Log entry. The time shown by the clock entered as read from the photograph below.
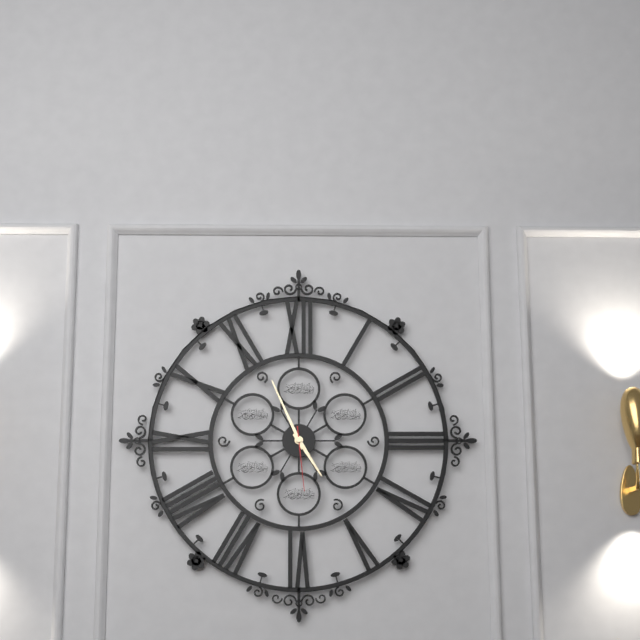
4:56:29
